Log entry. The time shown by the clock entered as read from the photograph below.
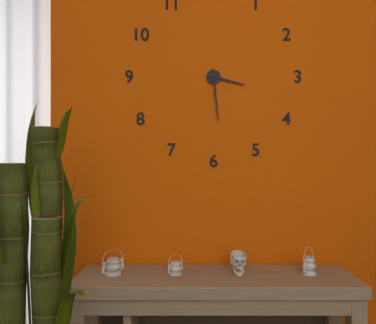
3:29
